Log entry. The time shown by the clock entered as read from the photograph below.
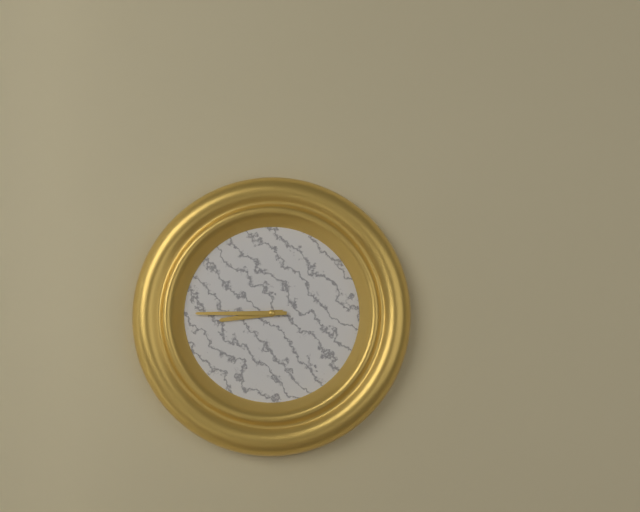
8:45
